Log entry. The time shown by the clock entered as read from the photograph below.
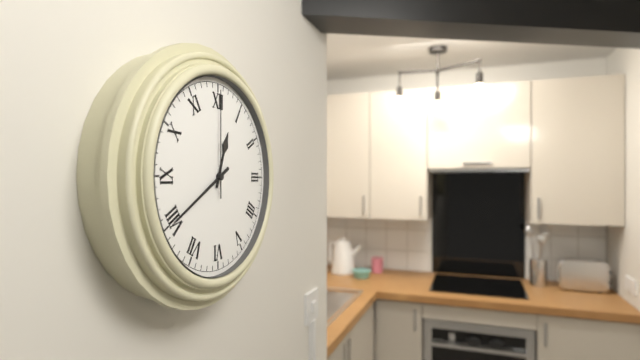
12:40:00
